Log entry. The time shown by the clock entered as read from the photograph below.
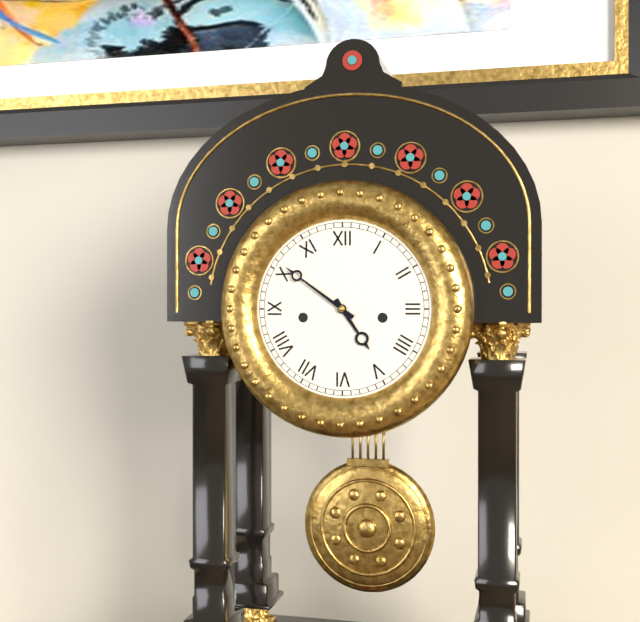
4:51
